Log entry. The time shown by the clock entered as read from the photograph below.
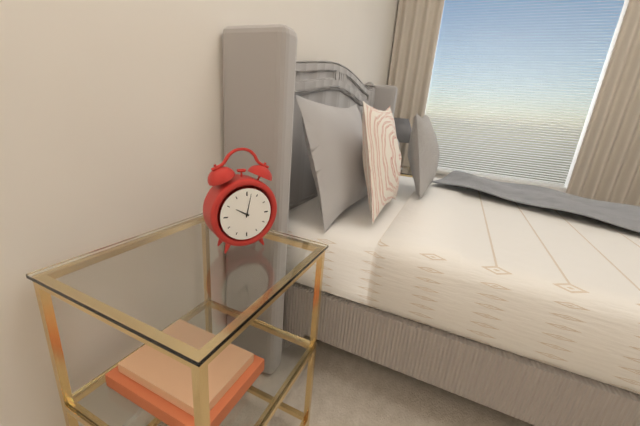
10:02
